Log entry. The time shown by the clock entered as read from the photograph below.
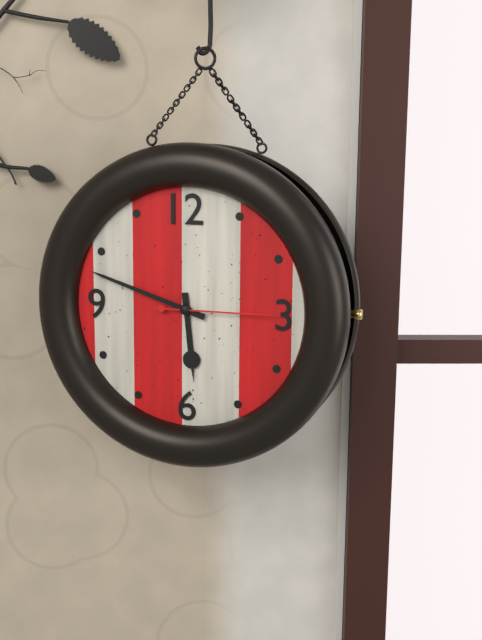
5:48:15
